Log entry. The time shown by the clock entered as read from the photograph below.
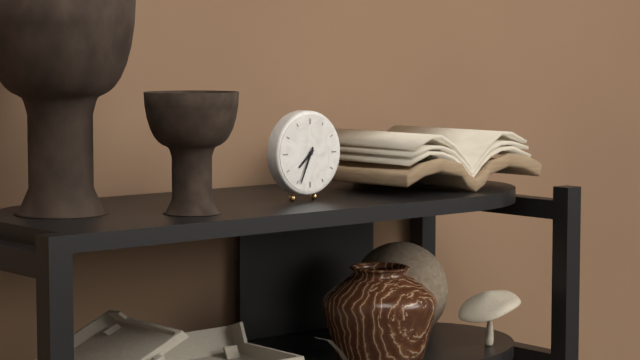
7:34
